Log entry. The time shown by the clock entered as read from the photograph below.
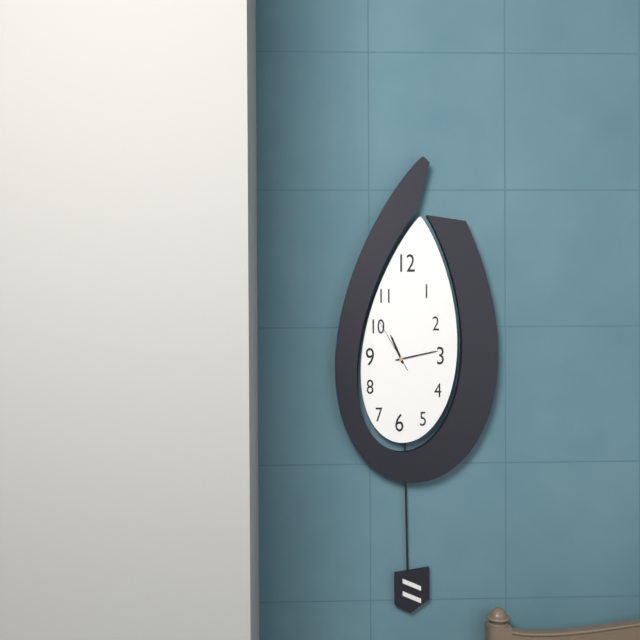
11:13:55
